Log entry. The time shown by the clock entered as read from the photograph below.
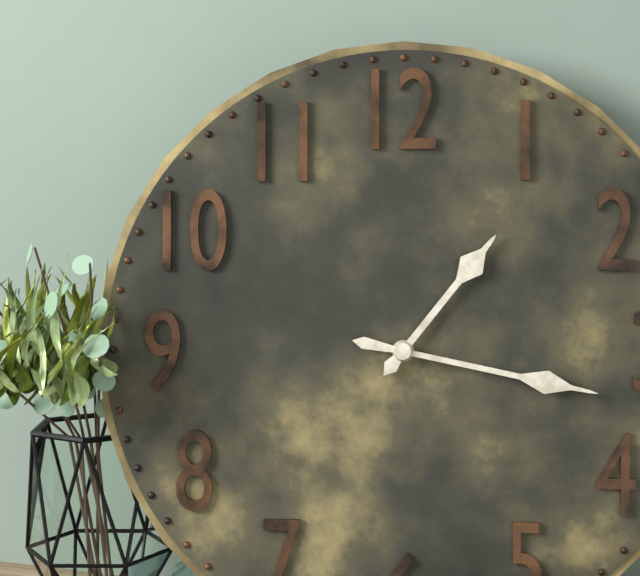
1:17
